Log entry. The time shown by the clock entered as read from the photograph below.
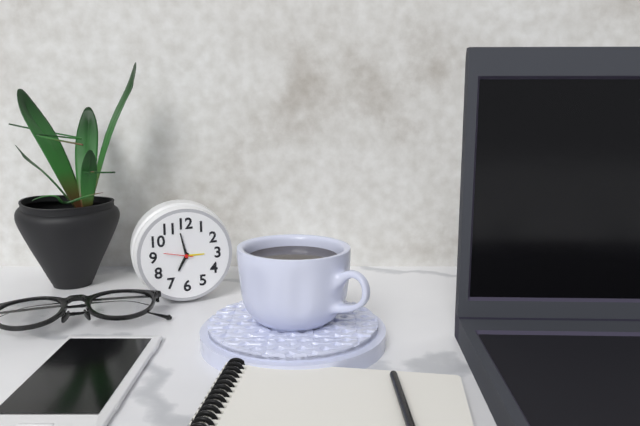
6:58
